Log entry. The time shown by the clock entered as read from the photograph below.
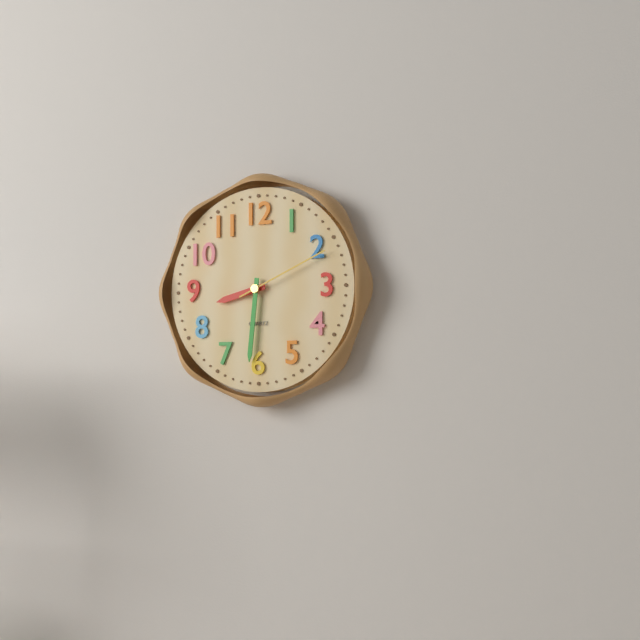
8:31:11
